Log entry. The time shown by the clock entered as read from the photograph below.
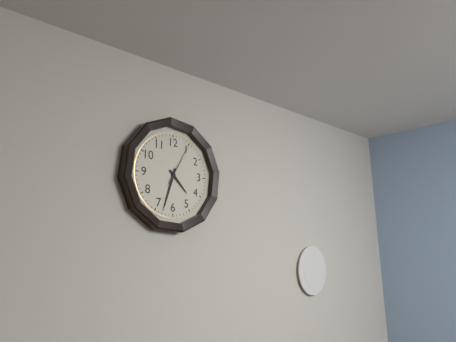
4:33
